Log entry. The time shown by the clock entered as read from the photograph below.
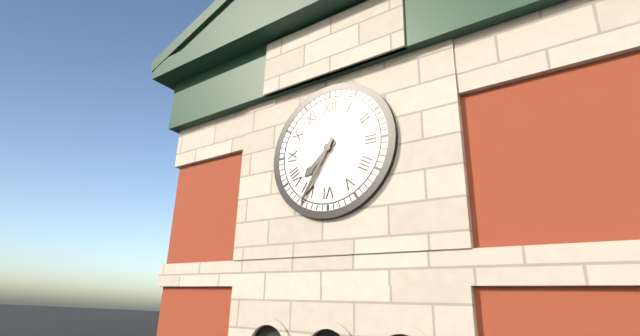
7:35
